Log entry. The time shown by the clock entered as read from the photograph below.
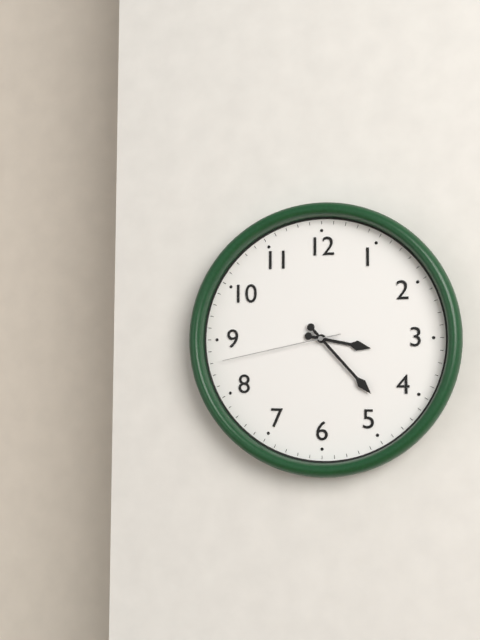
3:23:43
